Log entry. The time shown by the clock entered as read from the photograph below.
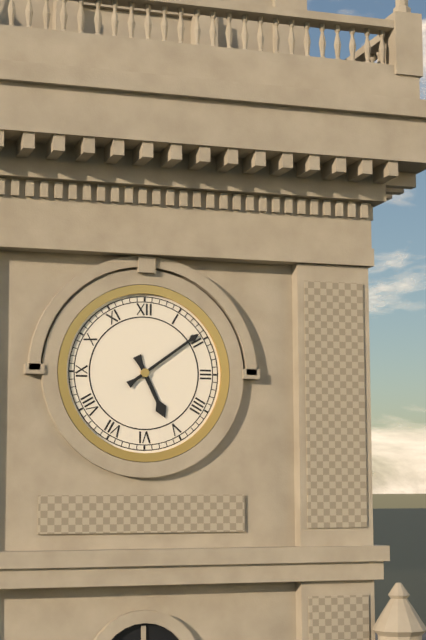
5:09
